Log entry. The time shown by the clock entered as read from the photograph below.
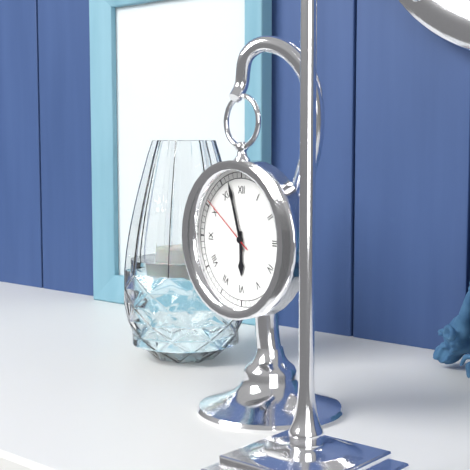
5:57:51
